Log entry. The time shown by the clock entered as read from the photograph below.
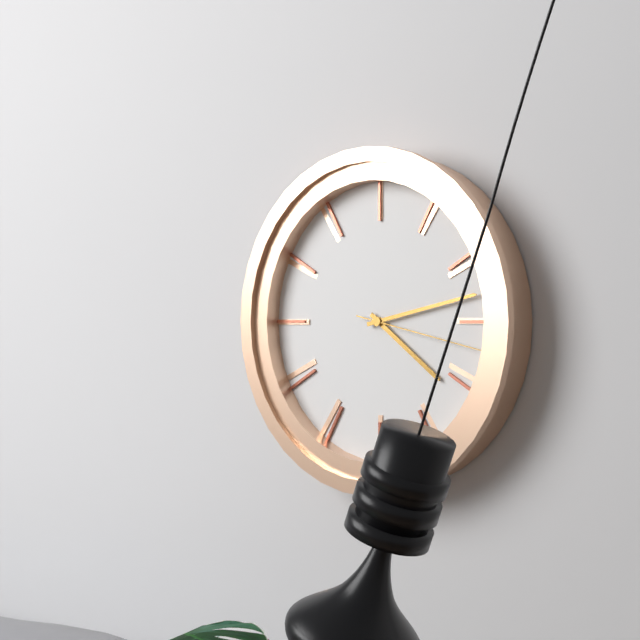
4:13:17
